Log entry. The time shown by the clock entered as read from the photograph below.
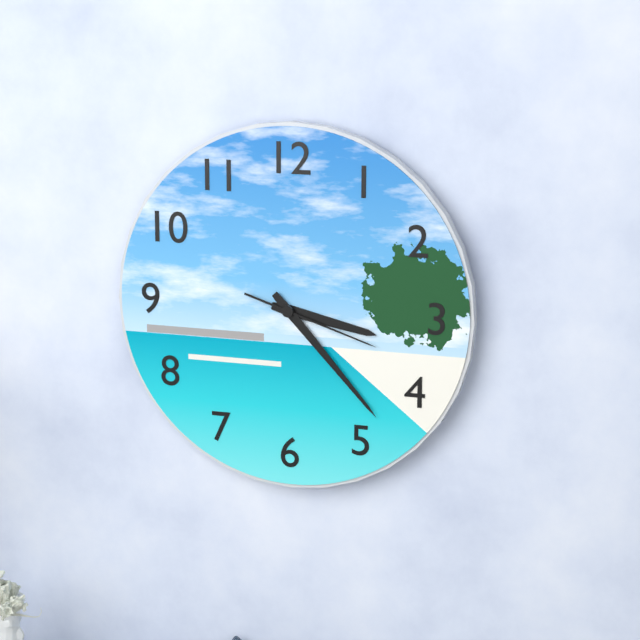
3:23:18
